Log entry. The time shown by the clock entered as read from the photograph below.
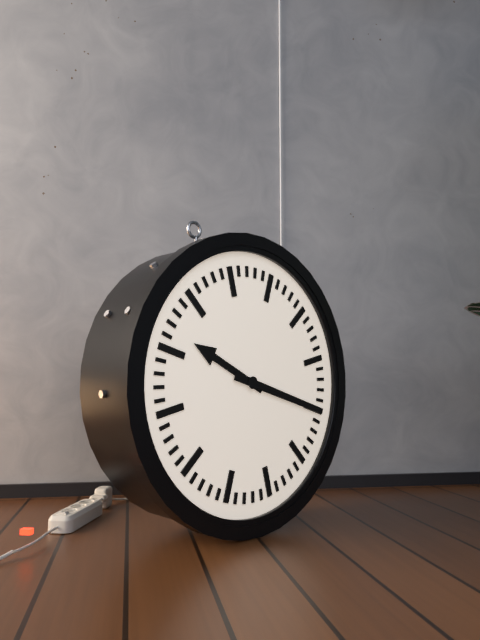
10:20
